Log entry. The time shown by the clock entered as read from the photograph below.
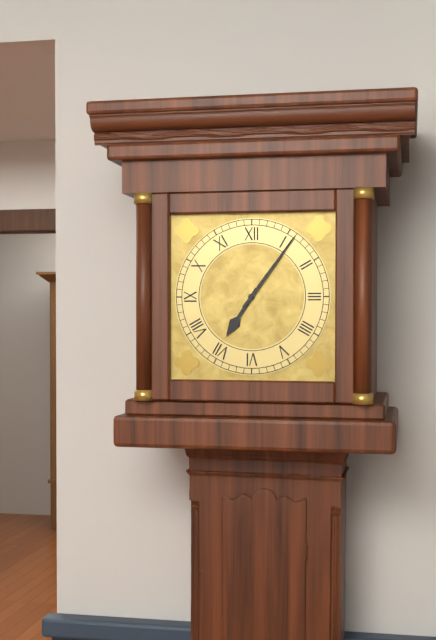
7:06
